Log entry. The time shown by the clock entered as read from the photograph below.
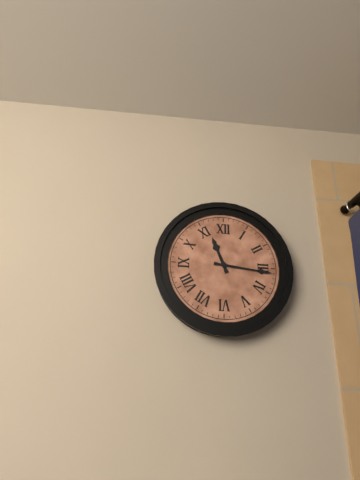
11:16
